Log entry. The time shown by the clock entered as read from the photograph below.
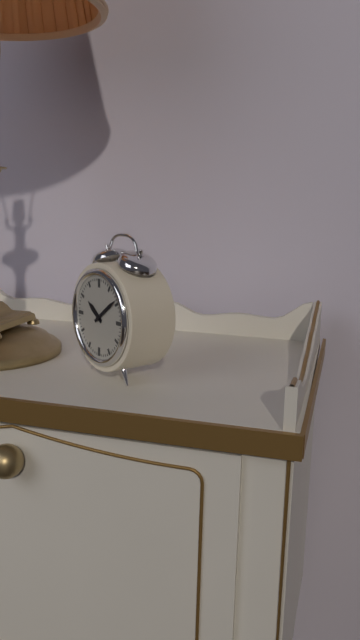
10:09
